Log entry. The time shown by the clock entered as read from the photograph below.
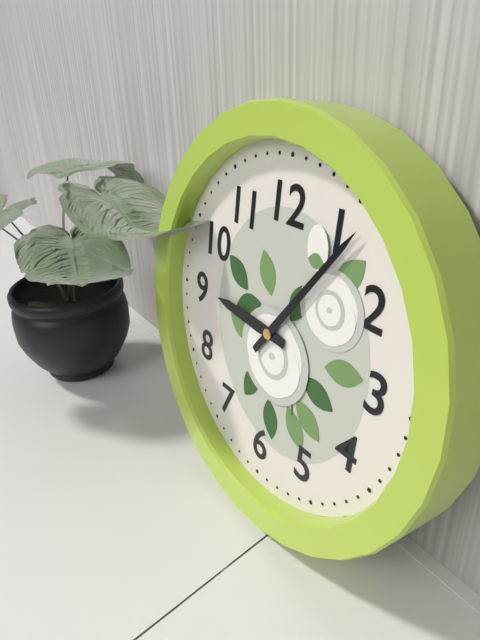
9:06
